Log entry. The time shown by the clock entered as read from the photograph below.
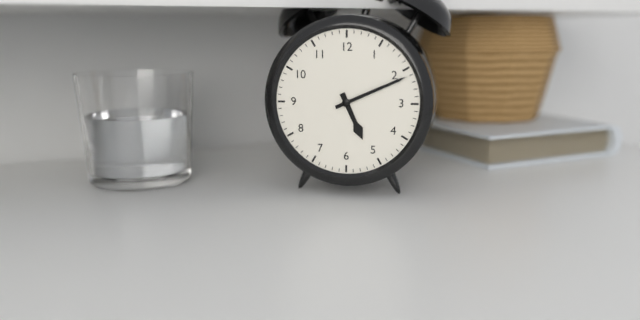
5:11
